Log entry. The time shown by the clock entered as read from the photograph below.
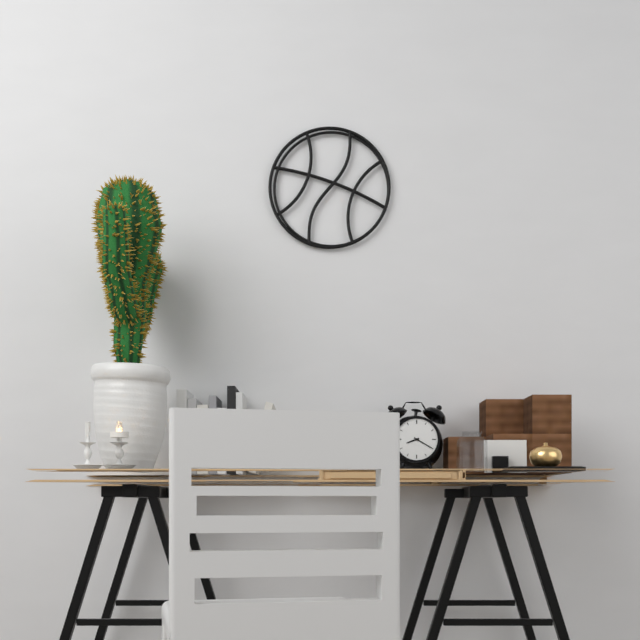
8:20
